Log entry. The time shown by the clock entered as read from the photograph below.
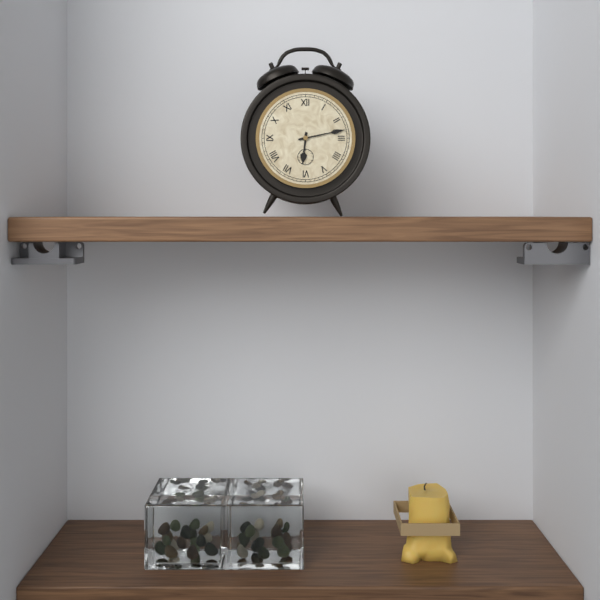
6:13
